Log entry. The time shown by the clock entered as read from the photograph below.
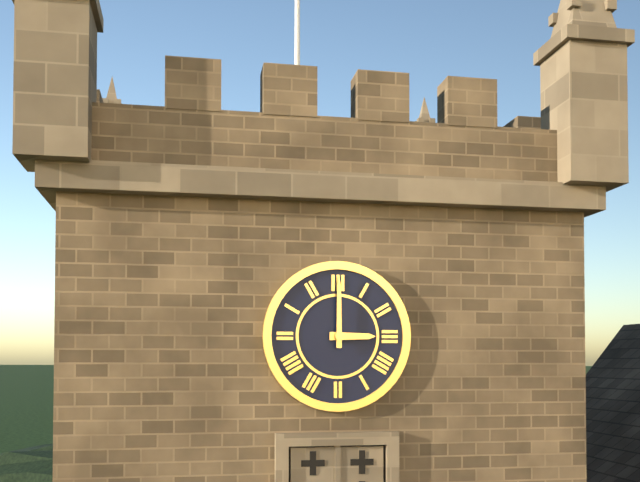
3:00
